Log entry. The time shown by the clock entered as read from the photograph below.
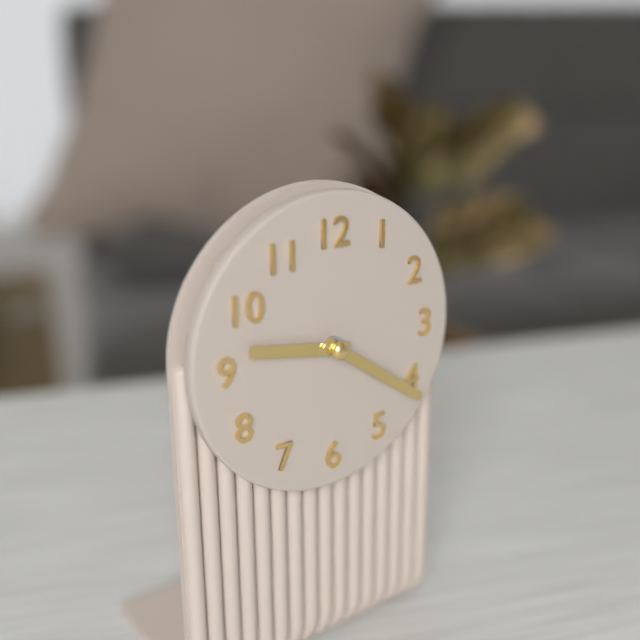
9:21
